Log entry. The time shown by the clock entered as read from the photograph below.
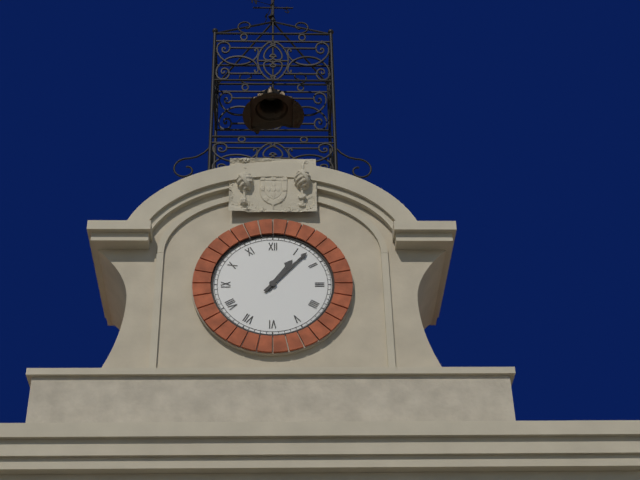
1:07
